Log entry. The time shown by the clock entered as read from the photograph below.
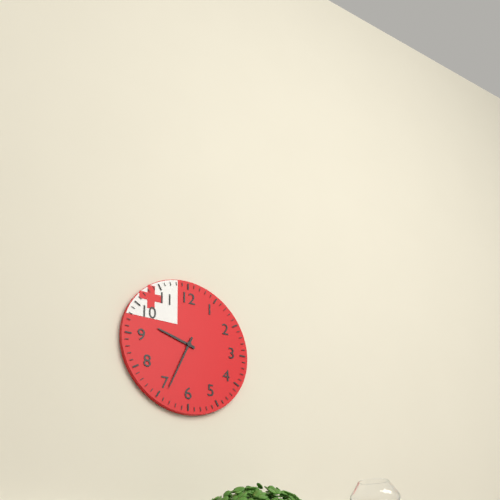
9:34
